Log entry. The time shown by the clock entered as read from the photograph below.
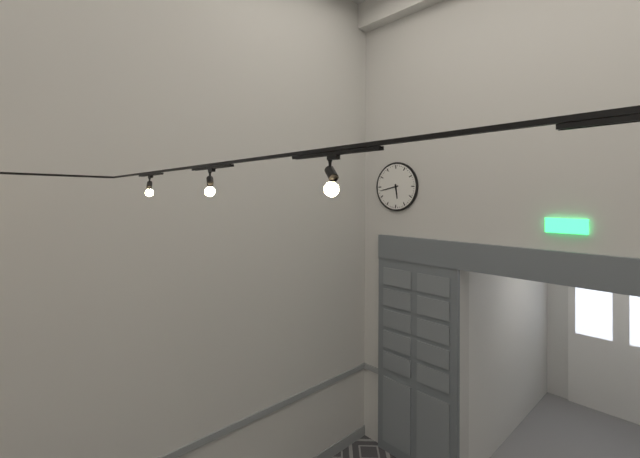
5:43
